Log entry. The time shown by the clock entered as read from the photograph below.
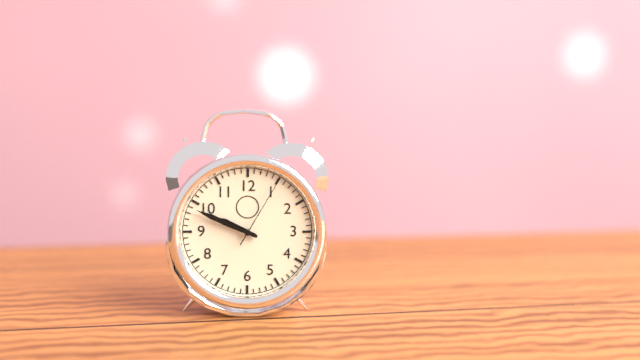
9:49:05
